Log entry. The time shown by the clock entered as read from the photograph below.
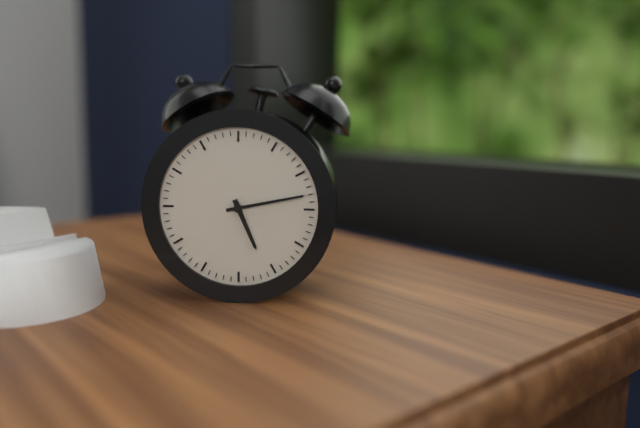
5:13
